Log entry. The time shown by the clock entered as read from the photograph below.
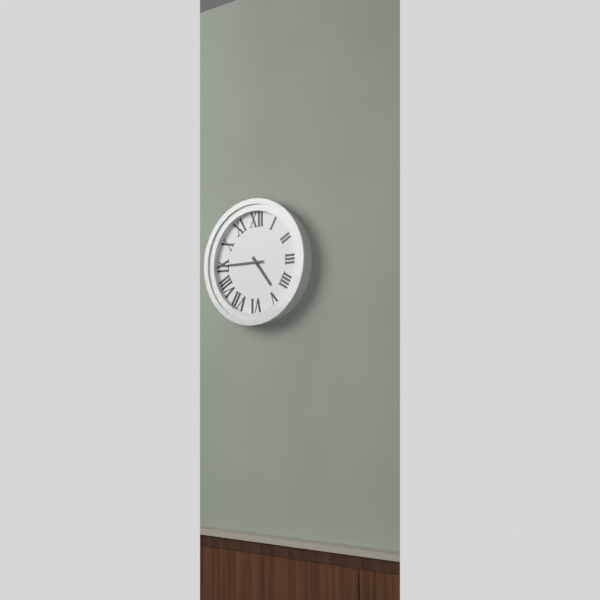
4:45
